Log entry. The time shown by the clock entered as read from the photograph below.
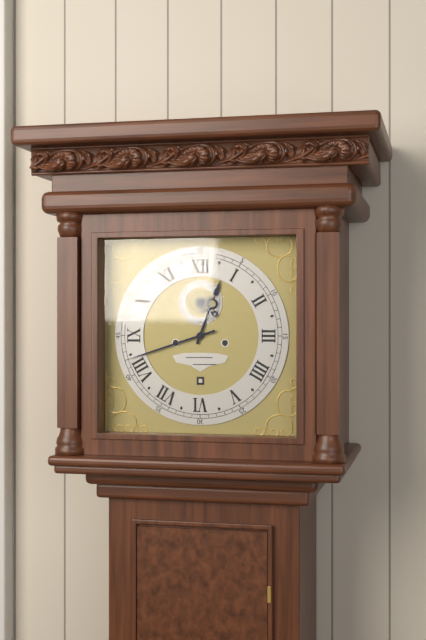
12:42
